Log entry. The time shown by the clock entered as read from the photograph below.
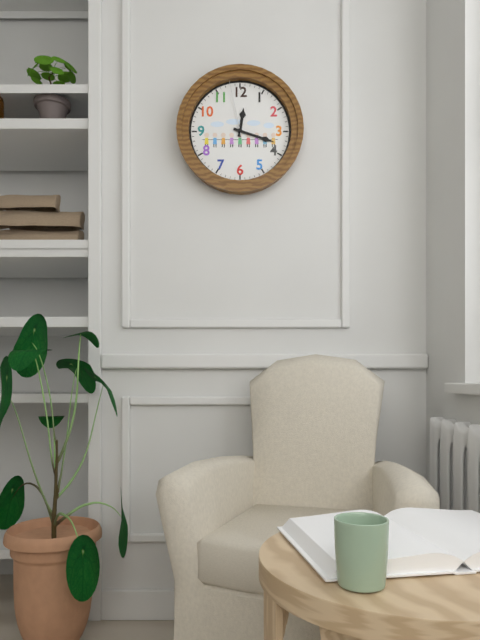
12:18:58
